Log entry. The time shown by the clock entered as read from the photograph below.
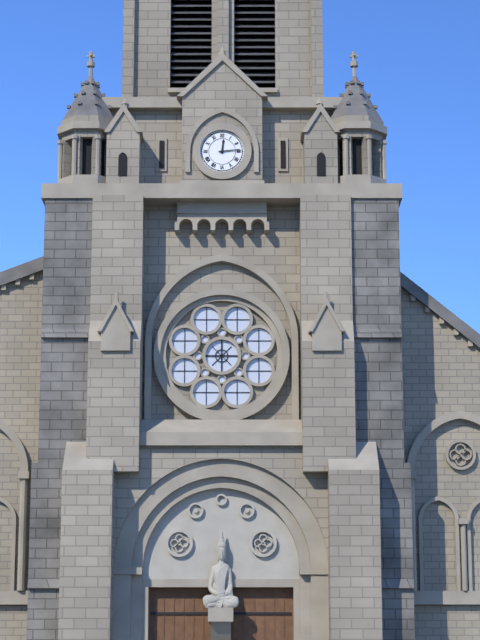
12:14
